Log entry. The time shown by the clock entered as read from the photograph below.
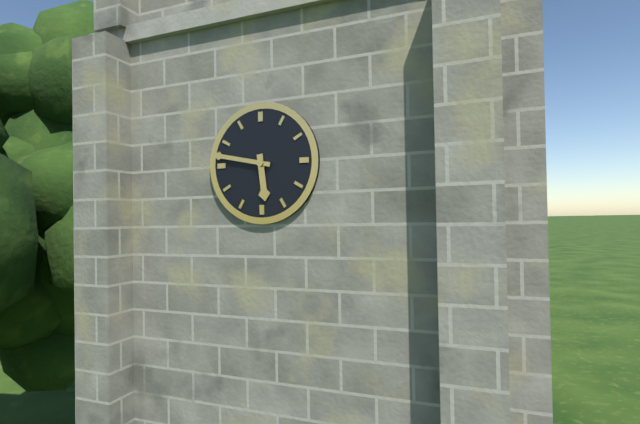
5:47
